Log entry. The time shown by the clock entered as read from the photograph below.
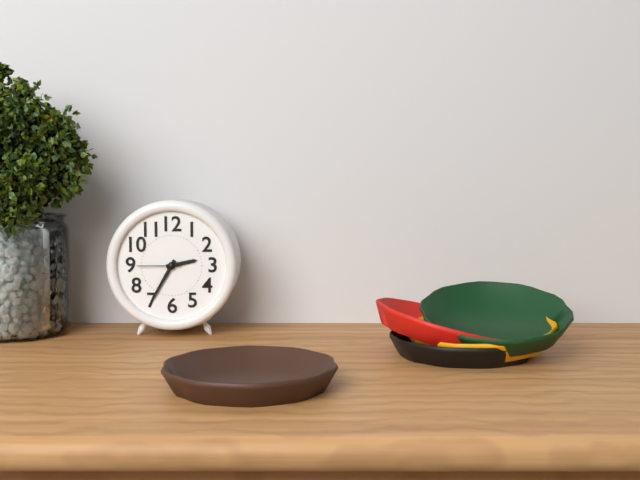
2:35
